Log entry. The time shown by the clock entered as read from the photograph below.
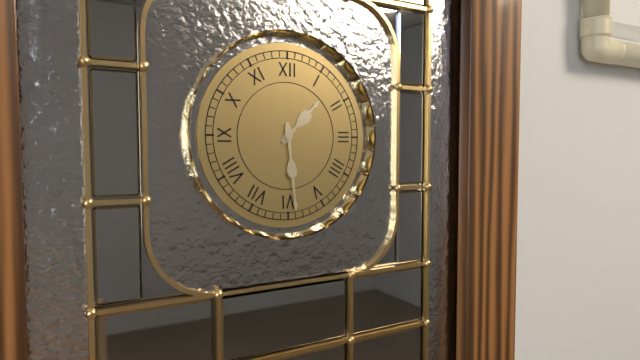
1:29
